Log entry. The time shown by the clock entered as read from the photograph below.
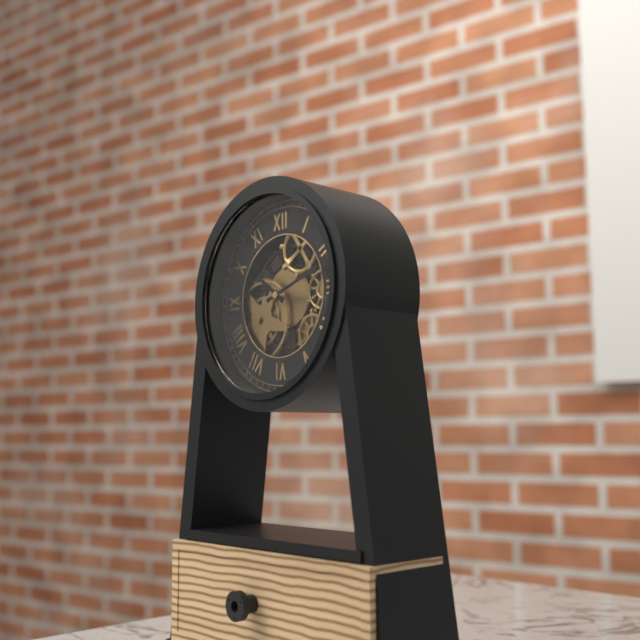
10:12
